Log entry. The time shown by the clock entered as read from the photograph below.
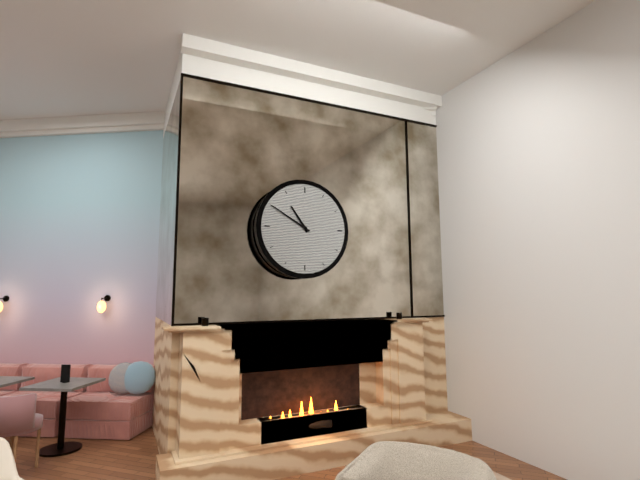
10:50
